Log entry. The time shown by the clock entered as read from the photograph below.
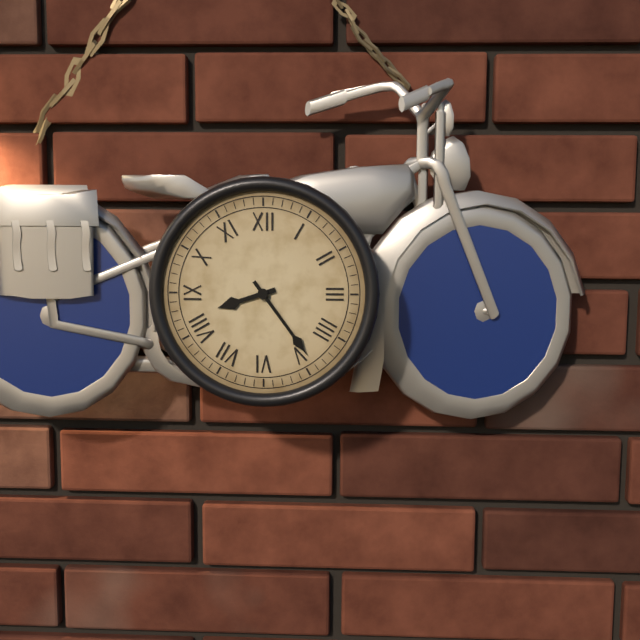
8:24
